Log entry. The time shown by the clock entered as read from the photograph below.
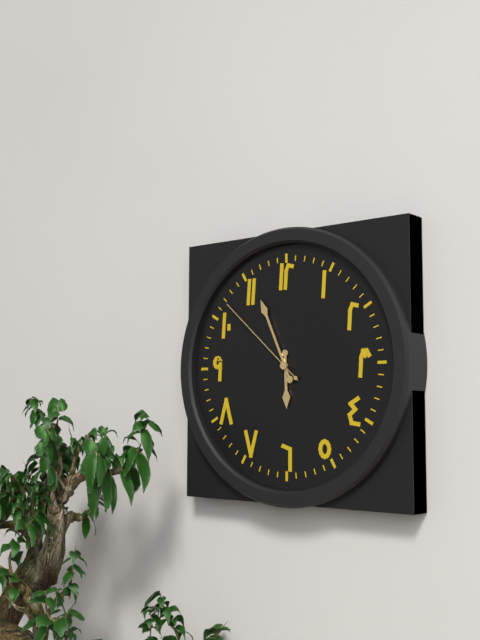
5:56:52
